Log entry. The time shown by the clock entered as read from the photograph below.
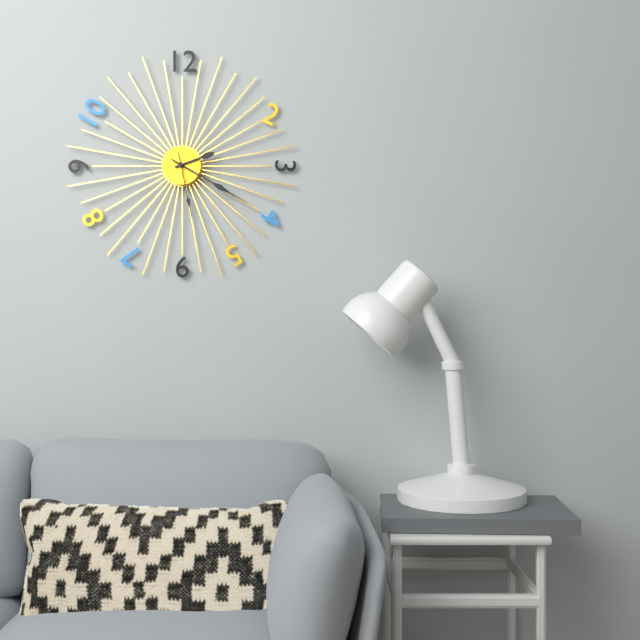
2:20:28
